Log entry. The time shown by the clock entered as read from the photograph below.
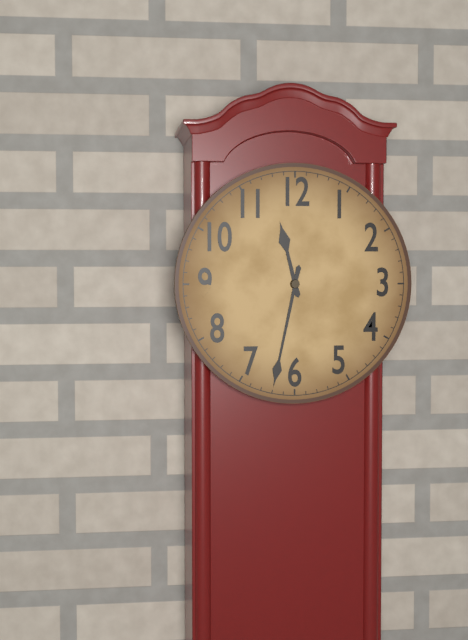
11:32
